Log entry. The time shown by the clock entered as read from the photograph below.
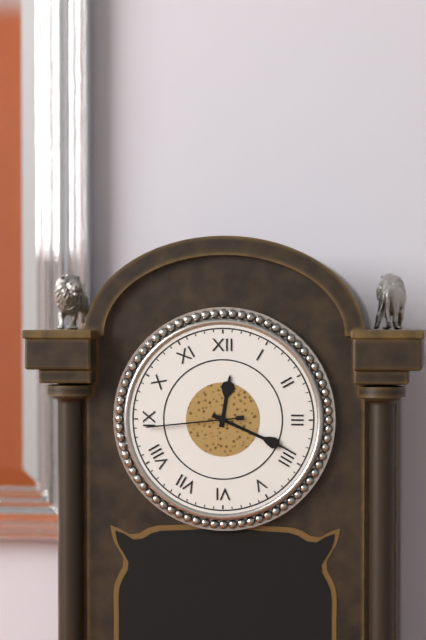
12:19:44
